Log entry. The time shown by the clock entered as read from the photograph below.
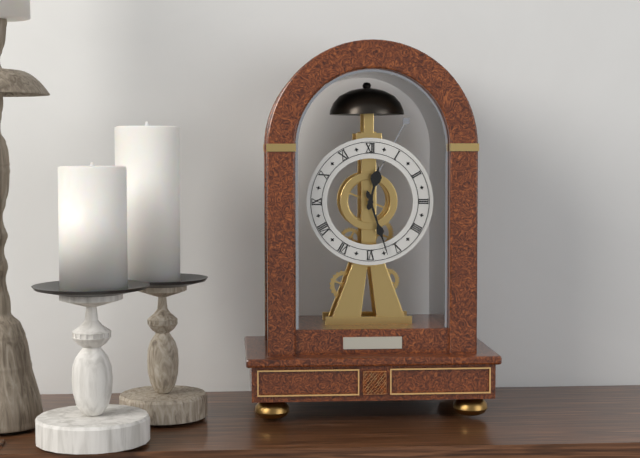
12:27
